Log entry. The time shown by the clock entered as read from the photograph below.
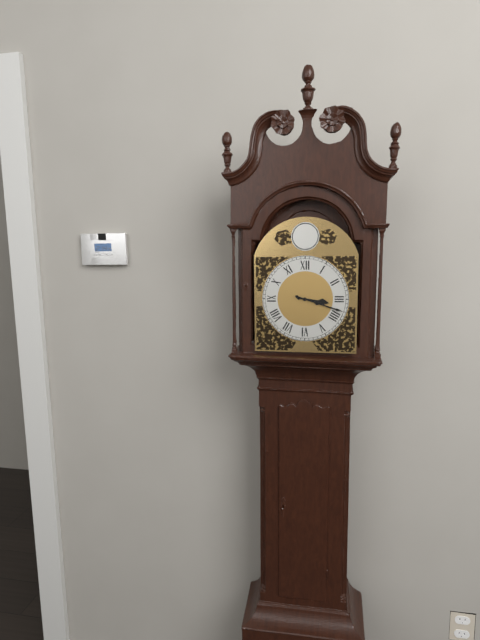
3:18
